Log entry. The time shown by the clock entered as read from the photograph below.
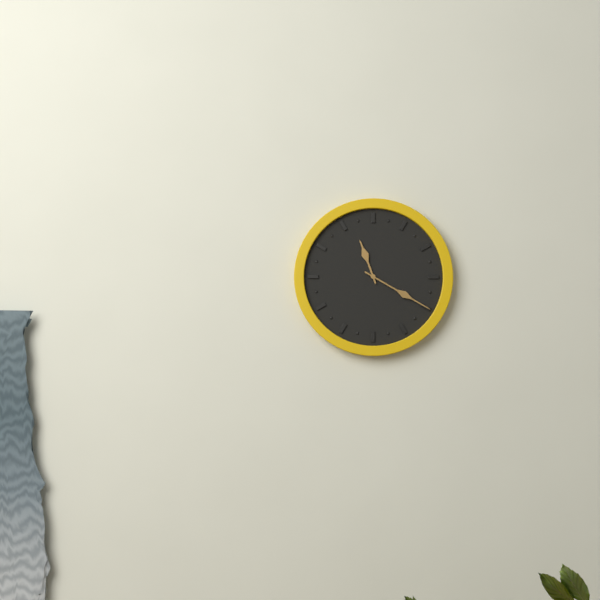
11:20
